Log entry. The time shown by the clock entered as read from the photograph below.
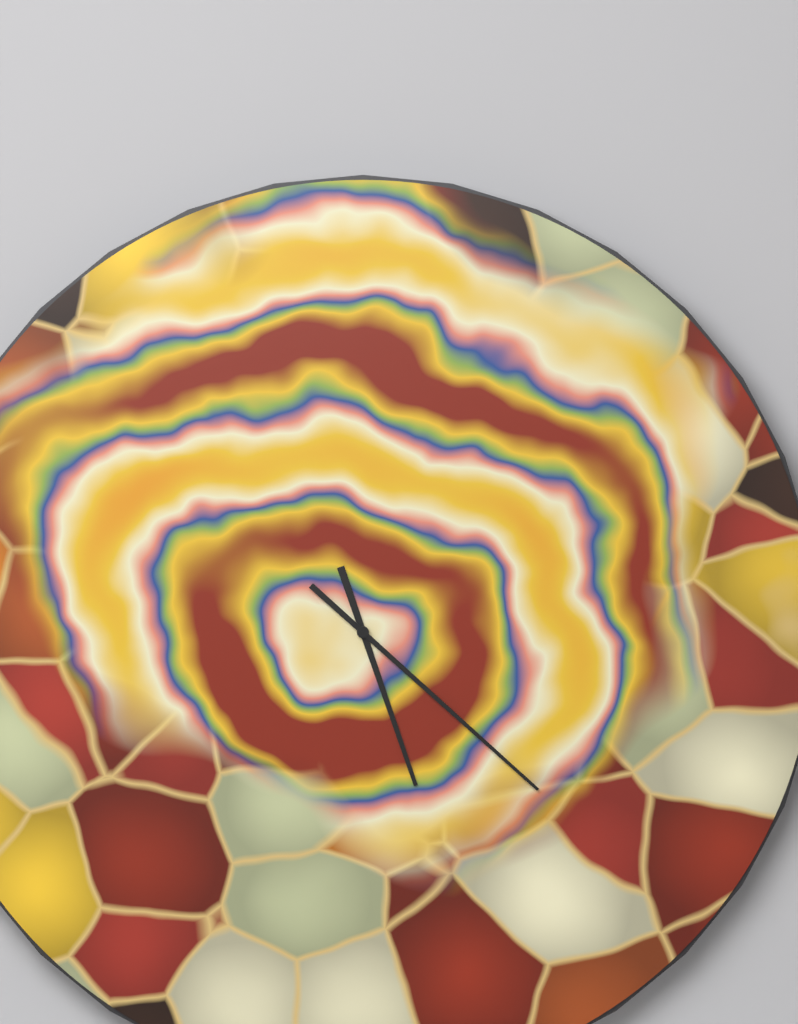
5:22
